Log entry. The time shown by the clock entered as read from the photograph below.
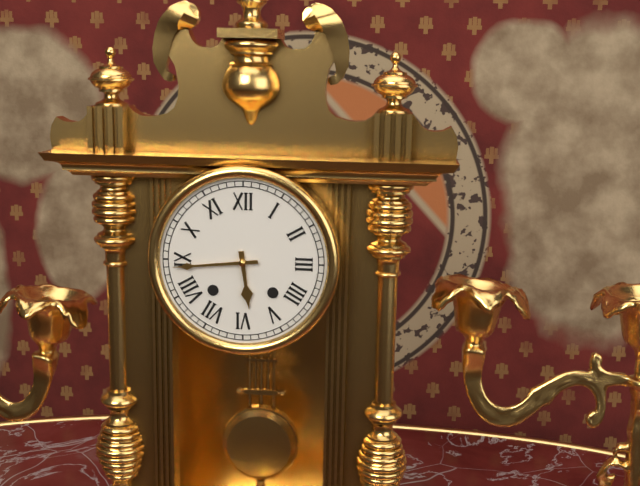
5:44
